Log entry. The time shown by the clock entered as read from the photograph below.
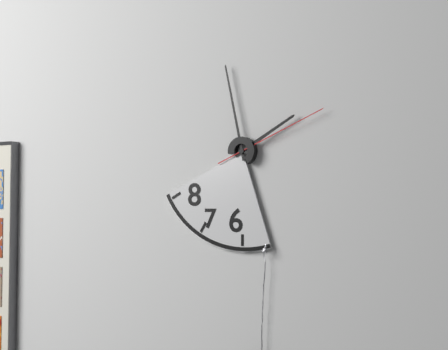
1:58:11
